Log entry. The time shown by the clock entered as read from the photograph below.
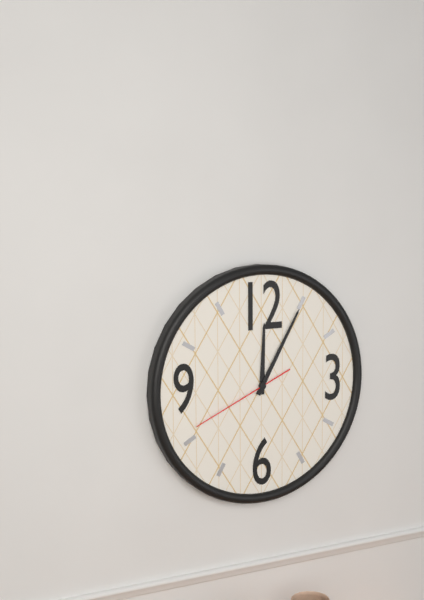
12:05:41
